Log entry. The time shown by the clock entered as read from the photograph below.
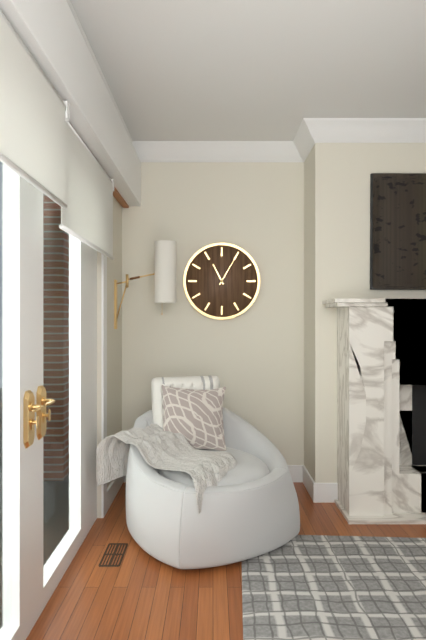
11:05
